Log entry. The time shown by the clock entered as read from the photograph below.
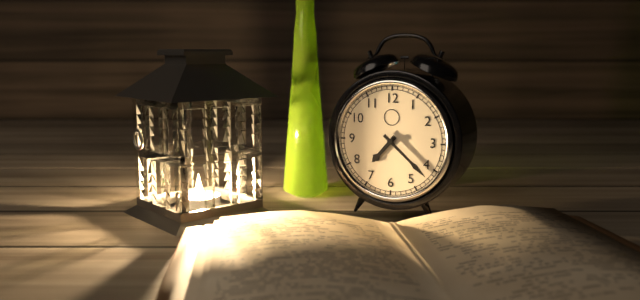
7:22
